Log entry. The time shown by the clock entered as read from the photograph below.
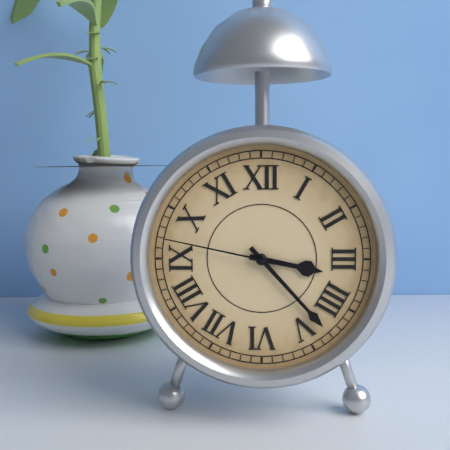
3:23:47
